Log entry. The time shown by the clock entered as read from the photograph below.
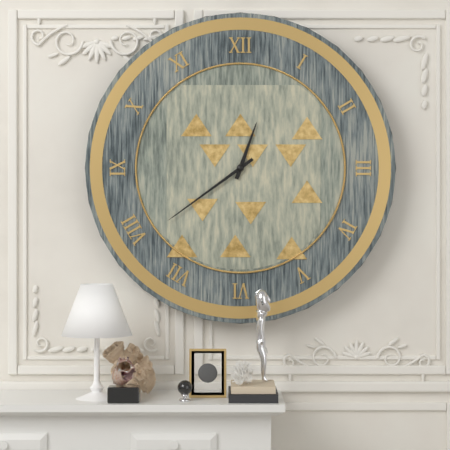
12:39
